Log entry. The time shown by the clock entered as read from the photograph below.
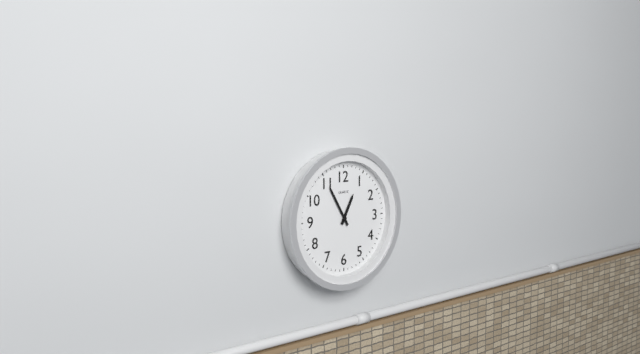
12:55
